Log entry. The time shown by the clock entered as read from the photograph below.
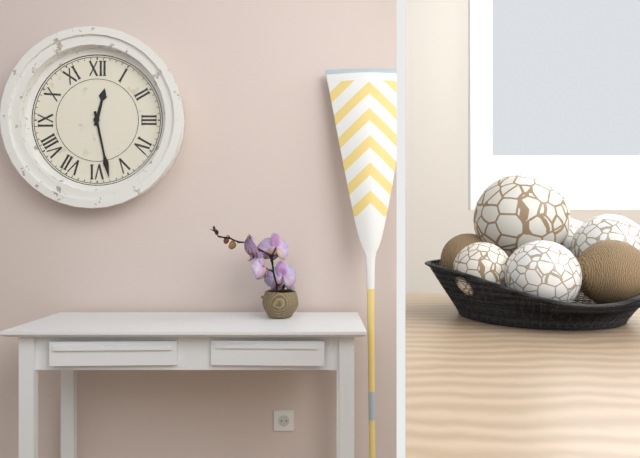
12:28
